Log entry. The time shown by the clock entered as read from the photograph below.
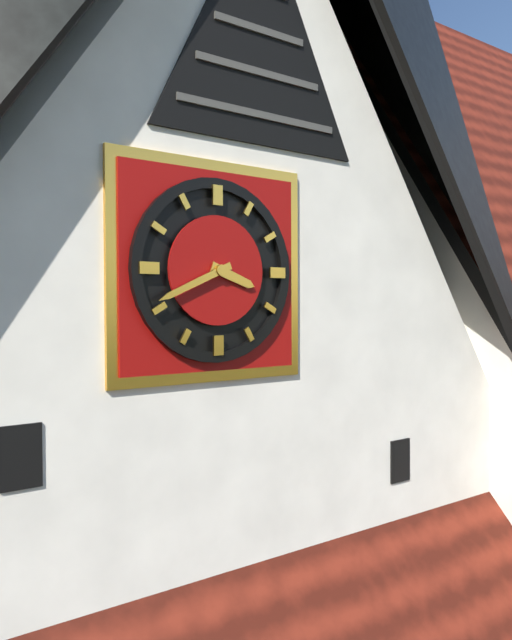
3:41
